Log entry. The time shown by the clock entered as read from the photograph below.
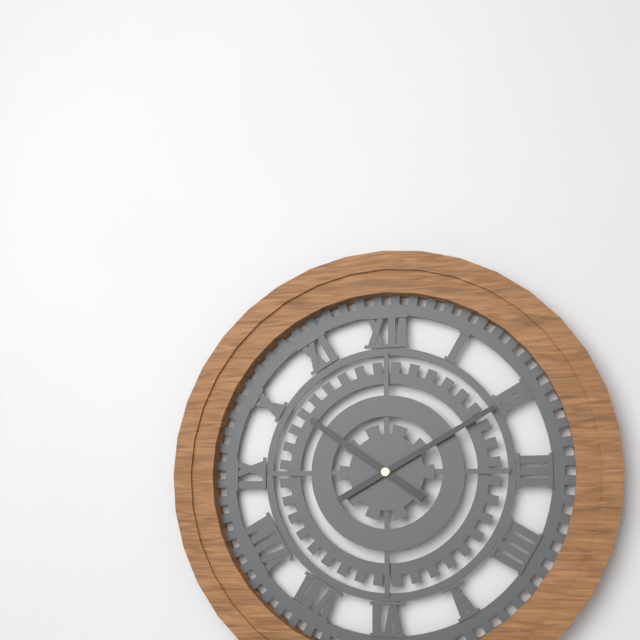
10:10
